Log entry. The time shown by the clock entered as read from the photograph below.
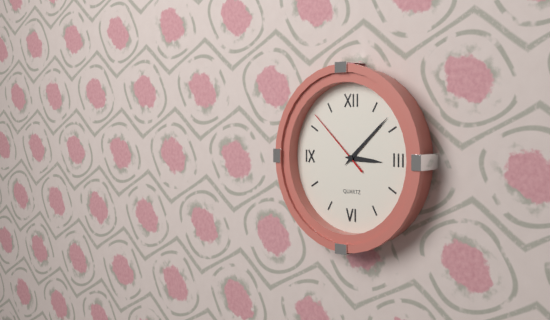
3:08:52
